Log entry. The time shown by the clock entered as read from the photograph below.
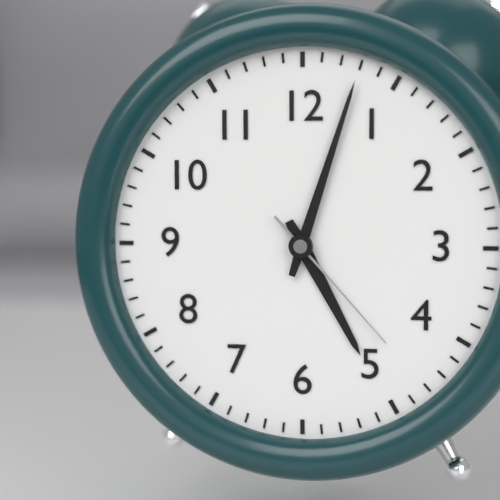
5:03:23
